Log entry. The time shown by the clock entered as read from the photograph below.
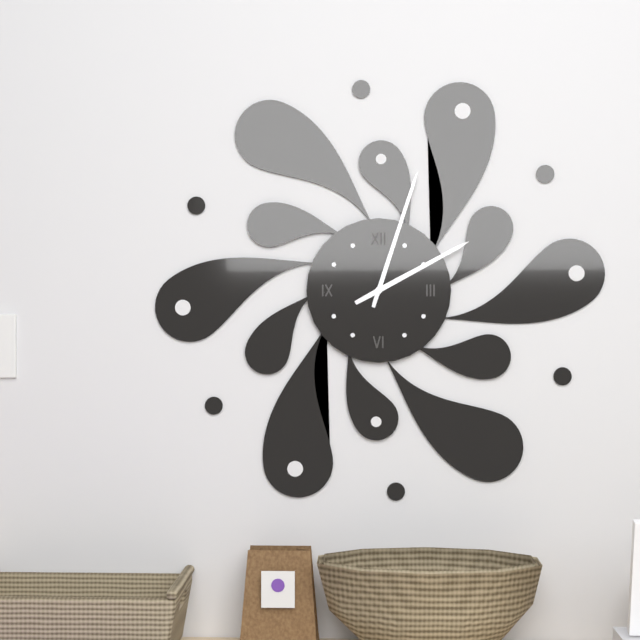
2:03
